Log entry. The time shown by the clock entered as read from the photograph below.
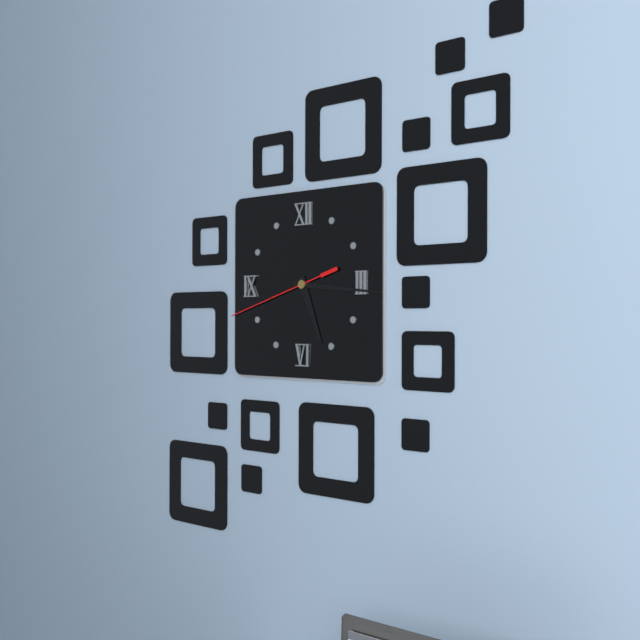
5:16:42
